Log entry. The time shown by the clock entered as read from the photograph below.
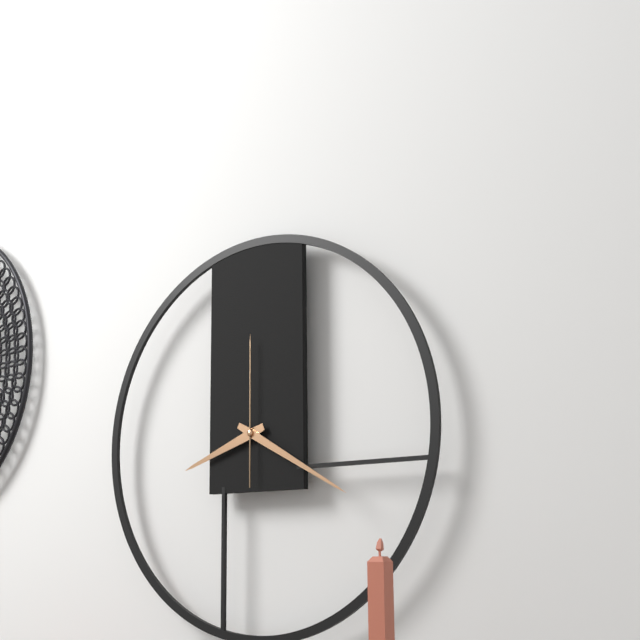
8:20:00
